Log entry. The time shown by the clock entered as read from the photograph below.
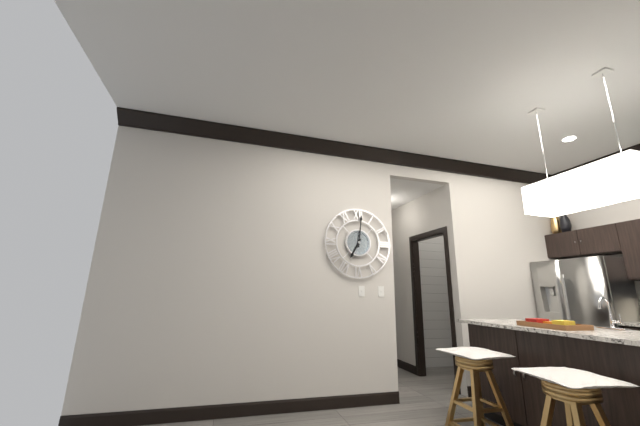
7:01
